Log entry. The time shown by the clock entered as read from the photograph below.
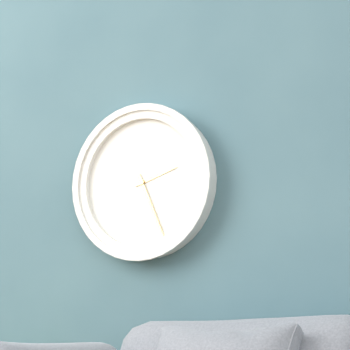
2:26
